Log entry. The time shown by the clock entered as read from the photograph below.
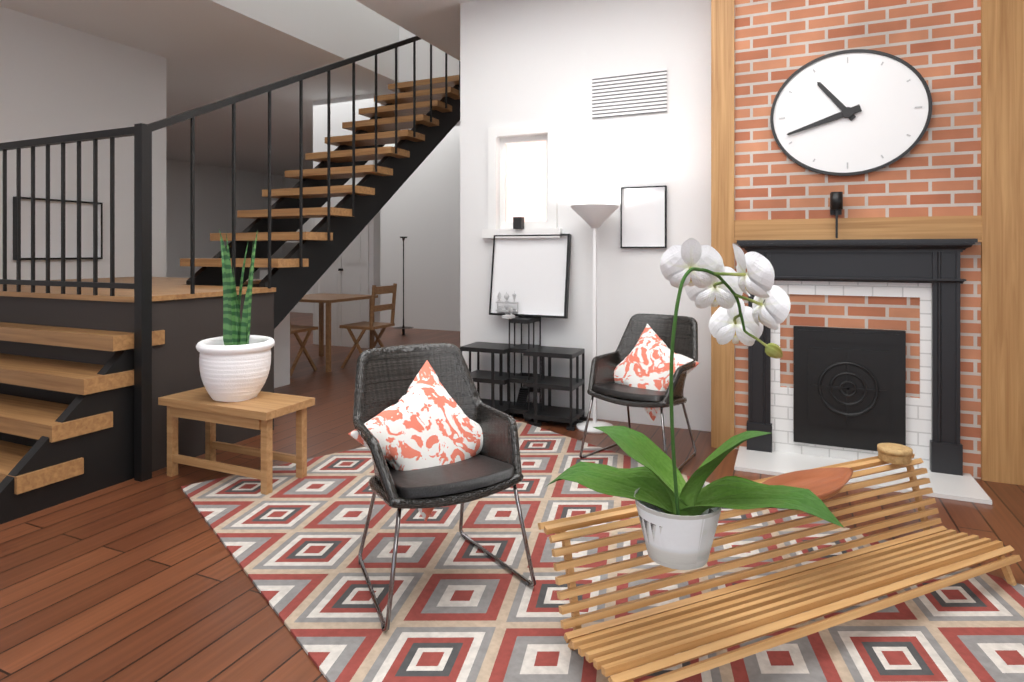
10:42
